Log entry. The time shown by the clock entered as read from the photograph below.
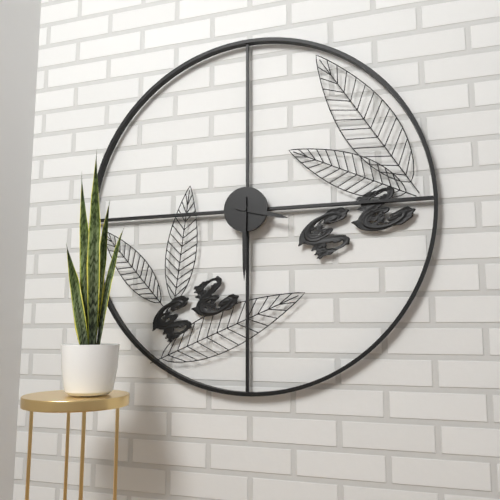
3:30
